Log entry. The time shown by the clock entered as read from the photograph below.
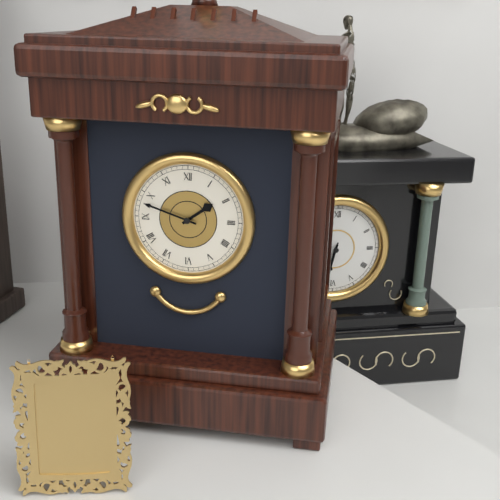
1:48
